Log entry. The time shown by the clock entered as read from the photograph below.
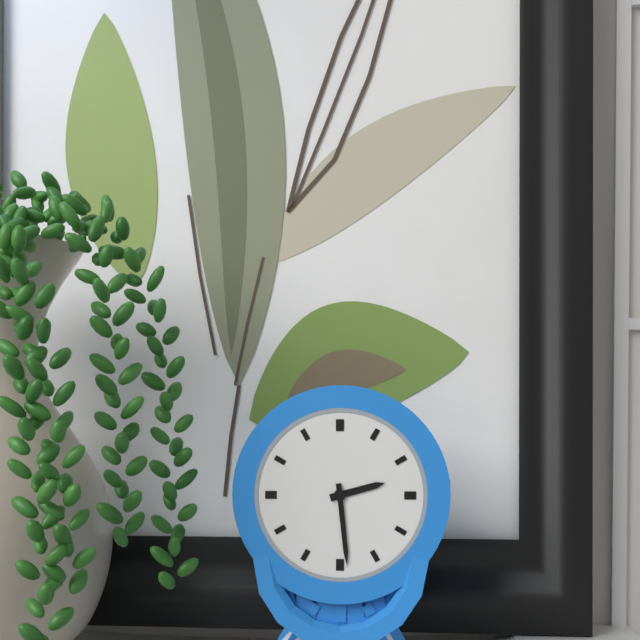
2:29
